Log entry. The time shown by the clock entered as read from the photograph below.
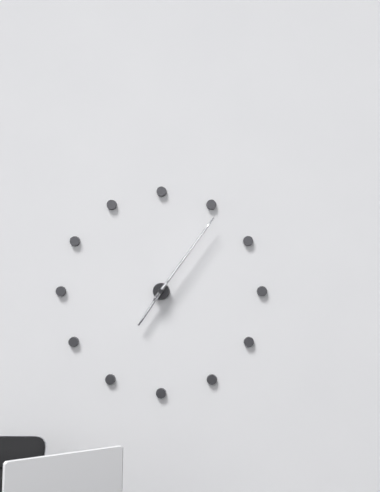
7:06
